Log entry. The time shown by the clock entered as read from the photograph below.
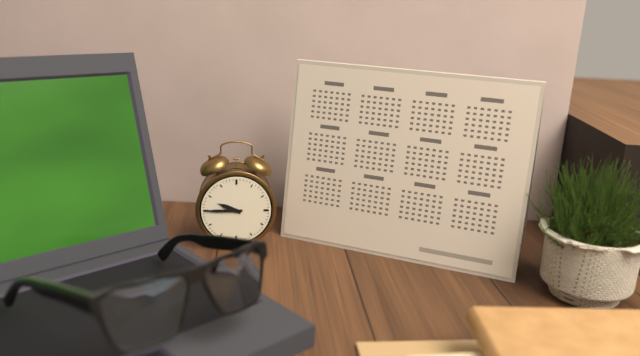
9:45
